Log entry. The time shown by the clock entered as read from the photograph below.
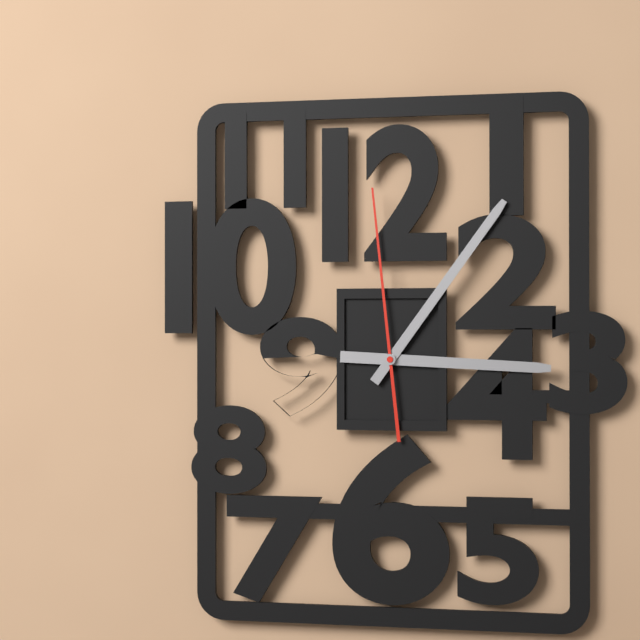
3:06:59
